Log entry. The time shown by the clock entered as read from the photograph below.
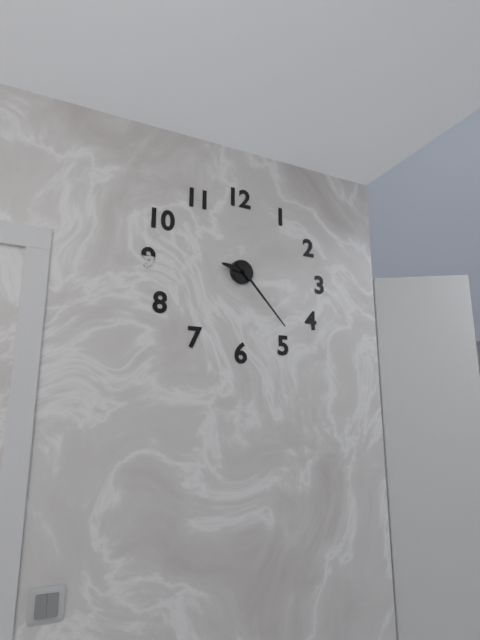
9:23
